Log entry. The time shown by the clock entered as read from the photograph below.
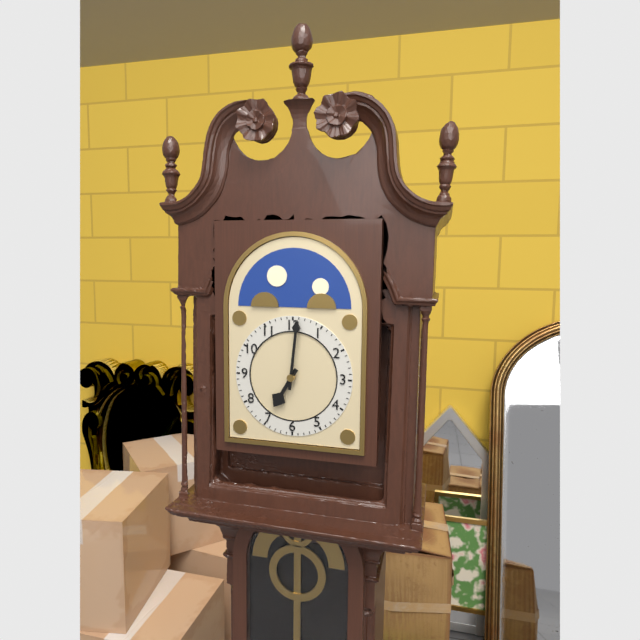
7:01
